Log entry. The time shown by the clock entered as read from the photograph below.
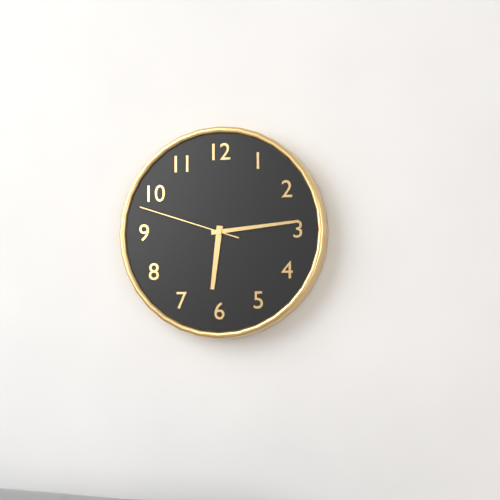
6:14:48
